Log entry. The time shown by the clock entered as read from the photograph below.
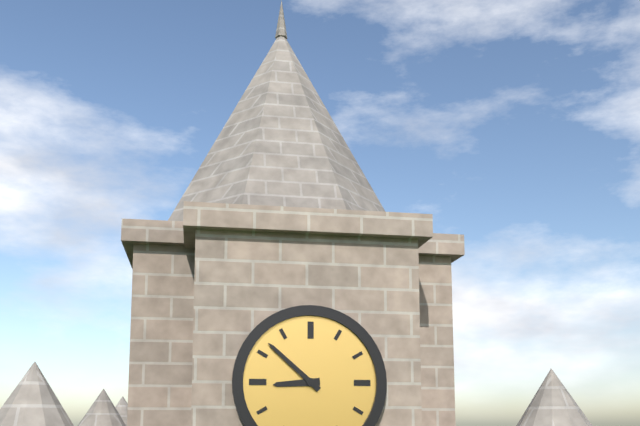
8:52
